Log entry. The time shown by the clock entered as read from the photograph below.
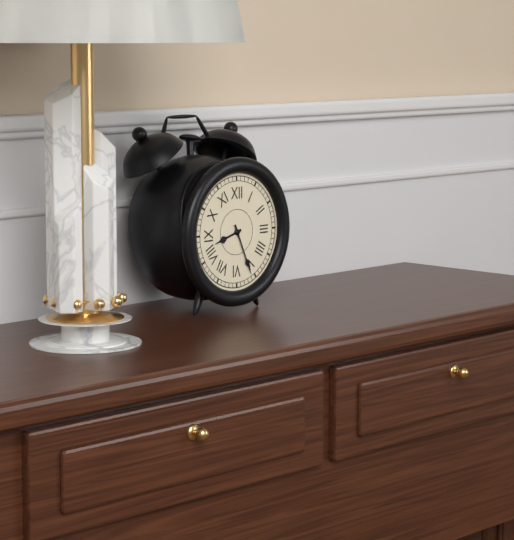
8:26
